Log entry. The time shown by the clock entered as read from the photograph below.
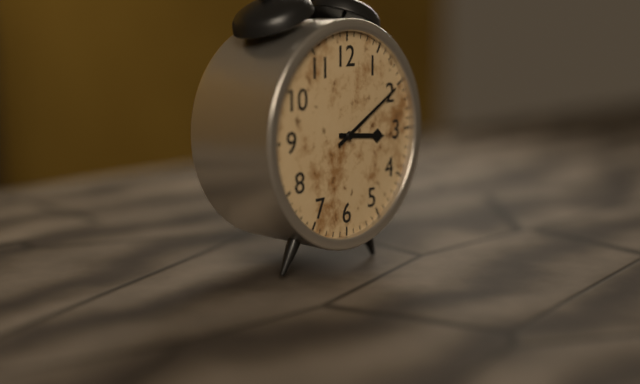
3:10
